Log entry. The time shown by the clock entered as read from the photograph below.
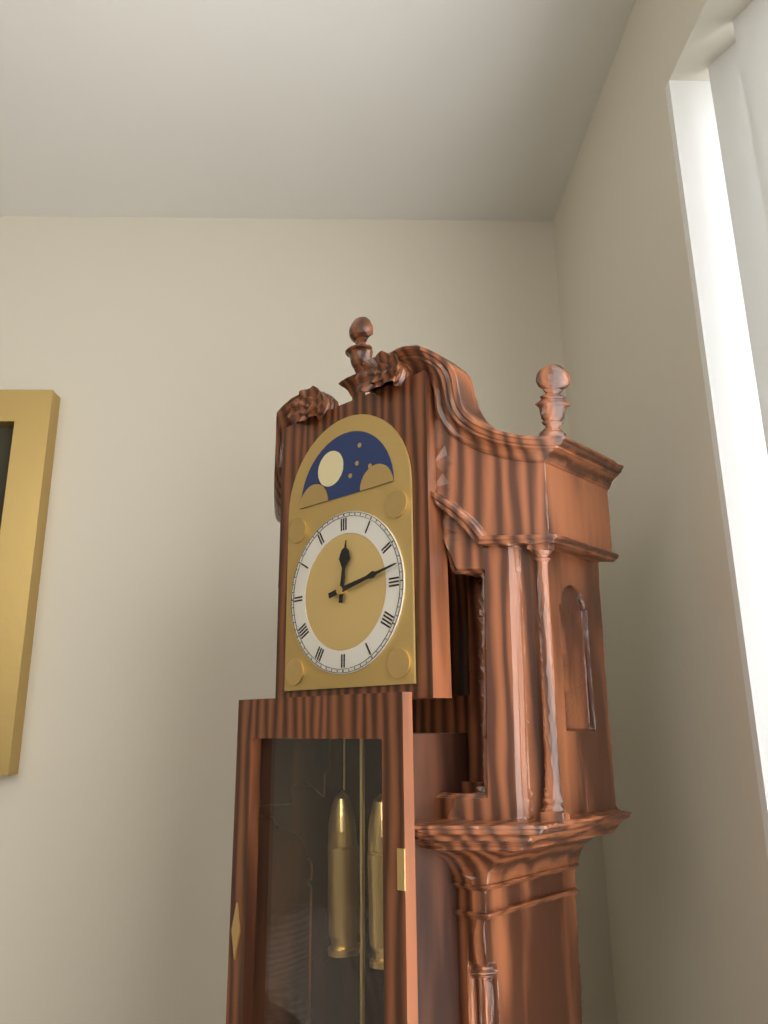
12:13
